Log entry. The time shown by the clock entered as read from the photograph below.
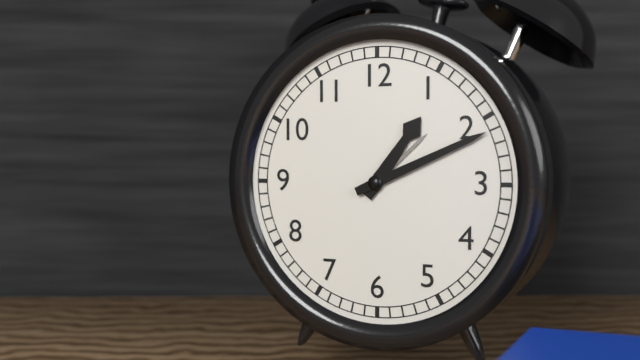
1:11
